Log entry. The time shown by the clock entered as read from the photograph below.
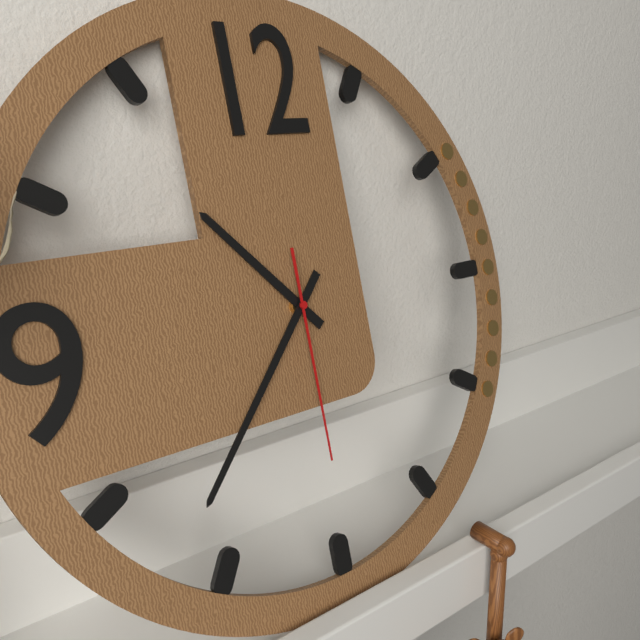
10:37:30
